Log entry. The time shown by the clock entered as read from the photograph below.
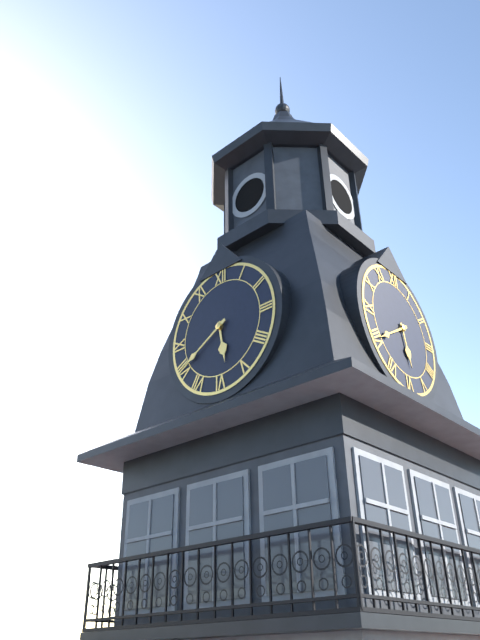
5:40
